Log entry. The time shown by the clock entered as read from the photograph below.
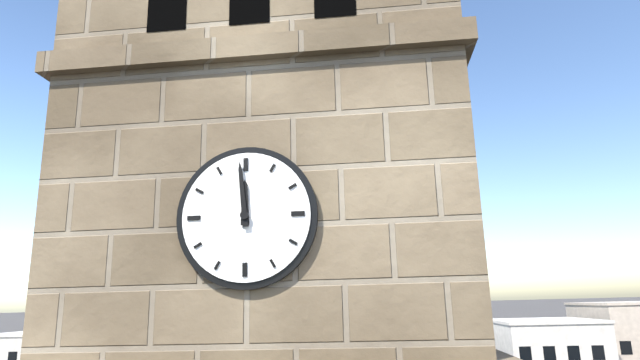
11:59
